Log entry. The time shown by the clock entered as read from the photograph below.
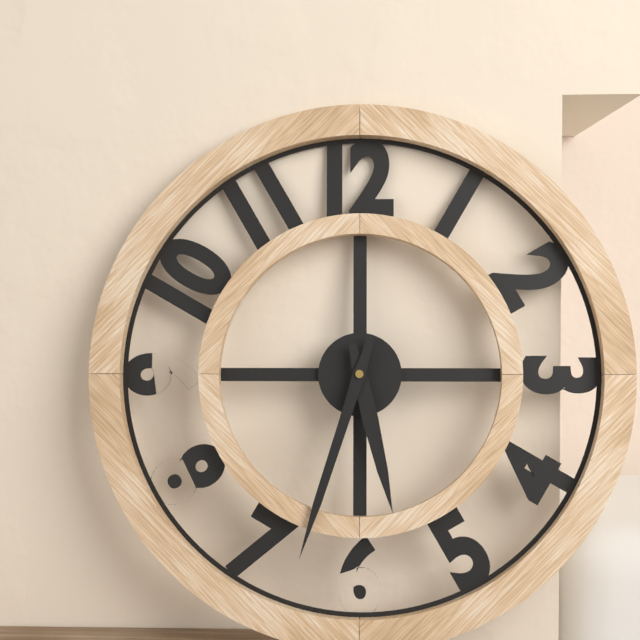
5:33
